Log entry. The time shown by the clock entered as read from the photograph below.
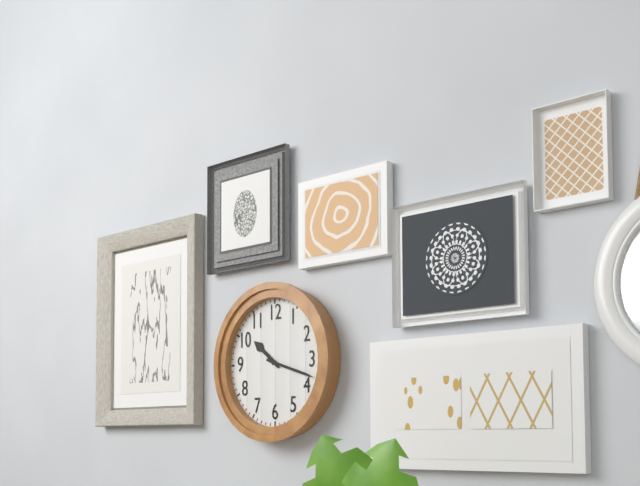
10:18
